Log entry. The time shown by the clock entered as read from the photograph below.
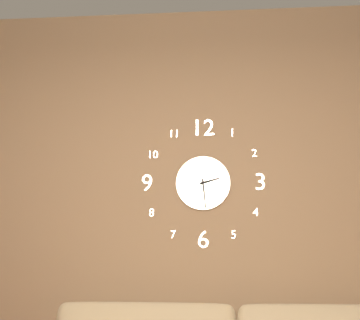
2:29
